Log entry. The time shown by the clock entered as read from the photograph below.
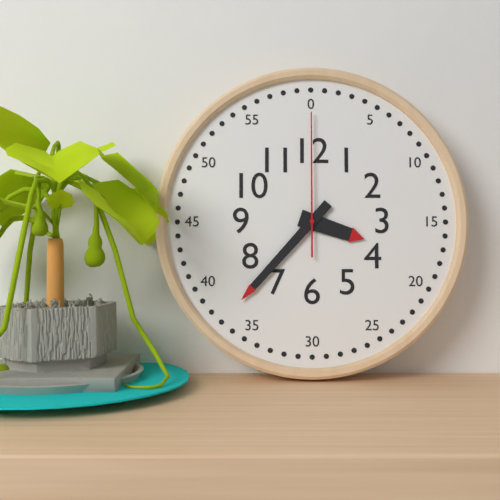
3:37:00
